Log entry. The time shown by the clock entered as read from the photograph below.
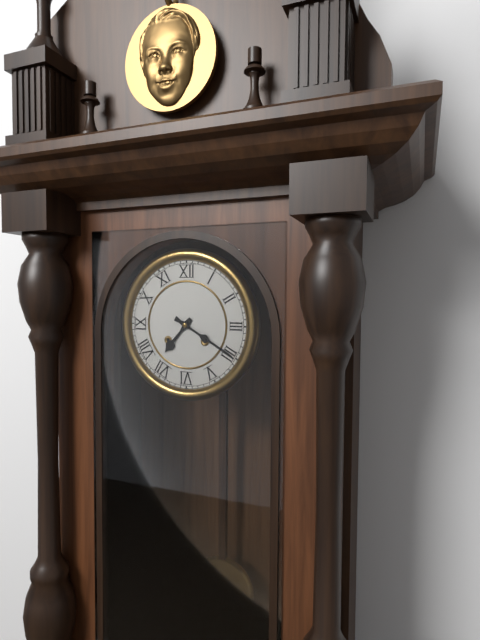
7:20
